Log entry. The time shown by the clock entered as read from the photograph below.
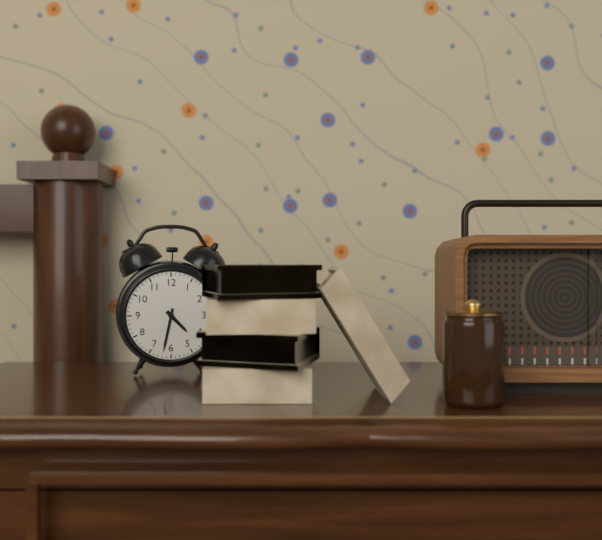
4:32
